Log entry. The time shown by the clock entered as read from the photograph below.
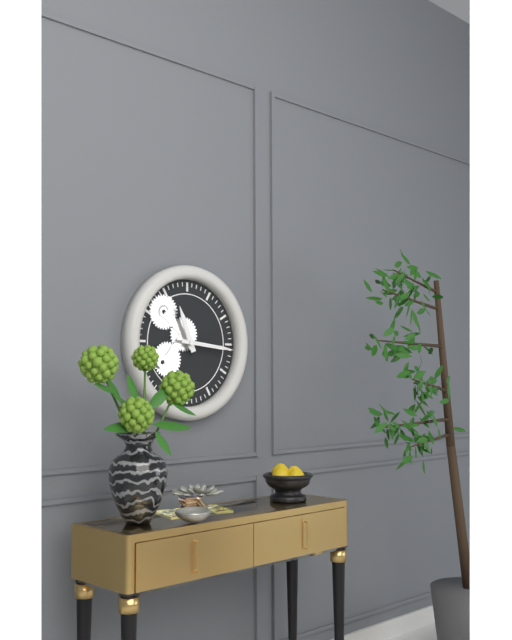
11:16
